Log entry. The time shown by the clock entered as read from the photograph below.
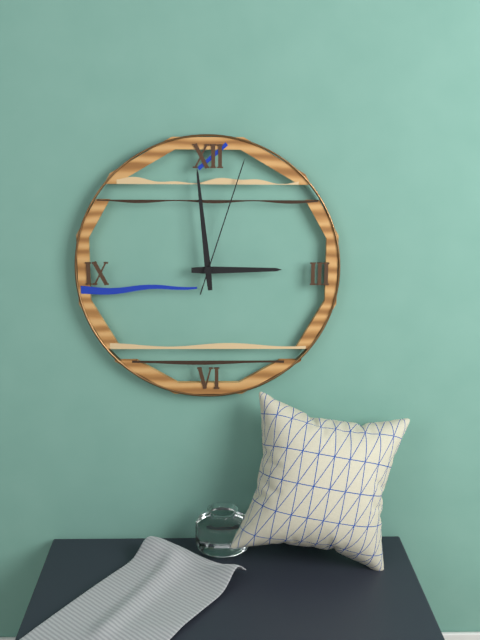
2:59:03
